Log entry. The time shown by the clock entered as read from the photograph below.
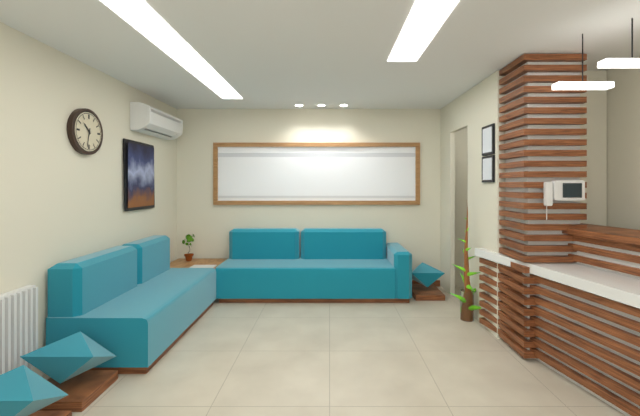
10:32
